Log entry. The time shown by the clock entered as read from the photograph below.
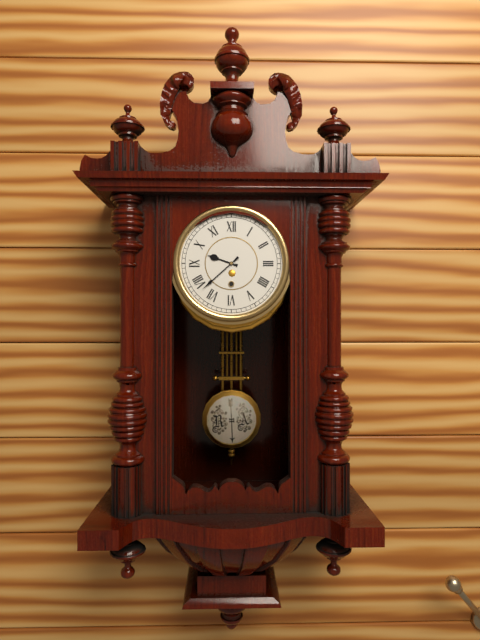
9:38
